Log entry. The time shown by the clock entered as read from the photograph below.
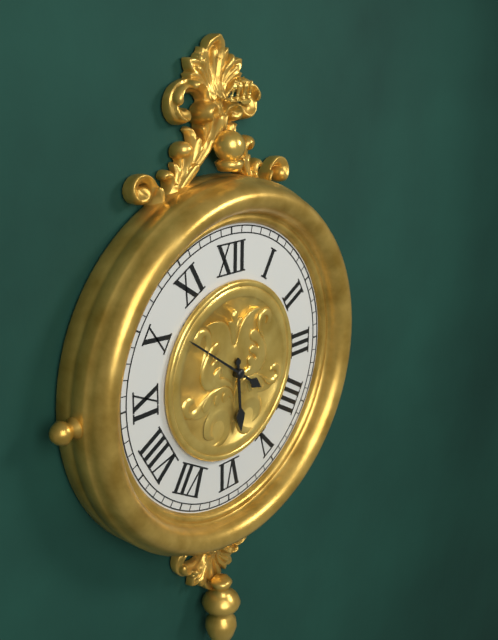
5:51
